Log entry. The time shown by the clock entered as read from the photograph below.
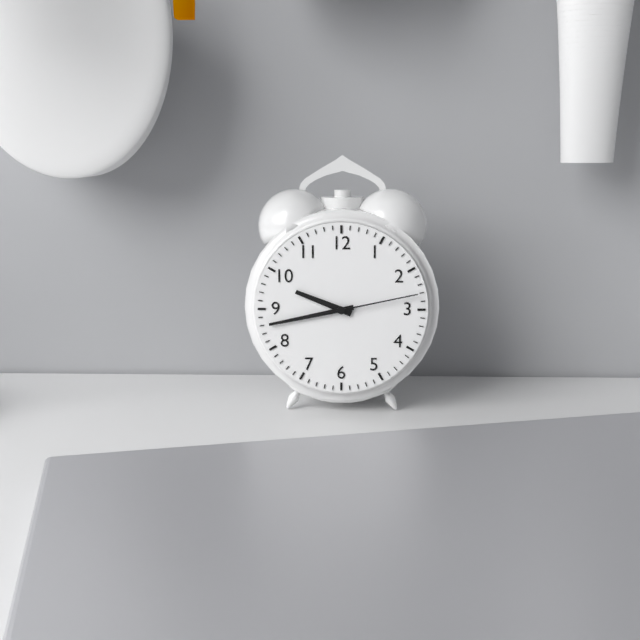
9:43:13
